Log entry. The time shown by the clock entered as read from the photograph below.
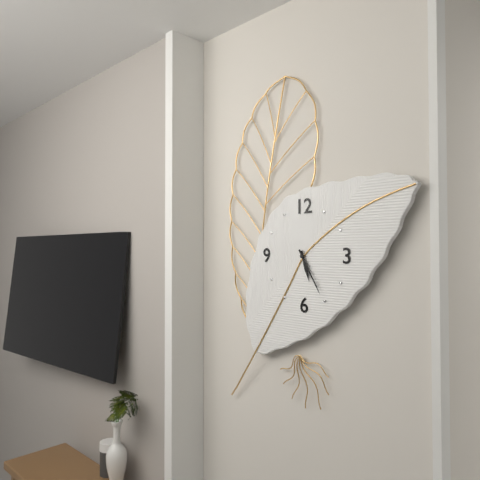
5:25
